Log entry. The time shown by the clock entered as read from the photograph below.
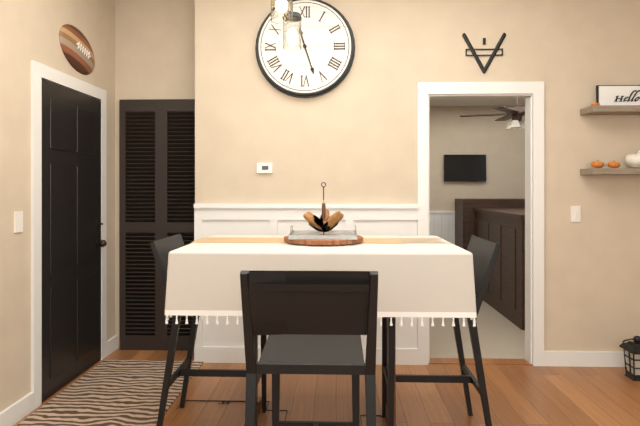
11:27
